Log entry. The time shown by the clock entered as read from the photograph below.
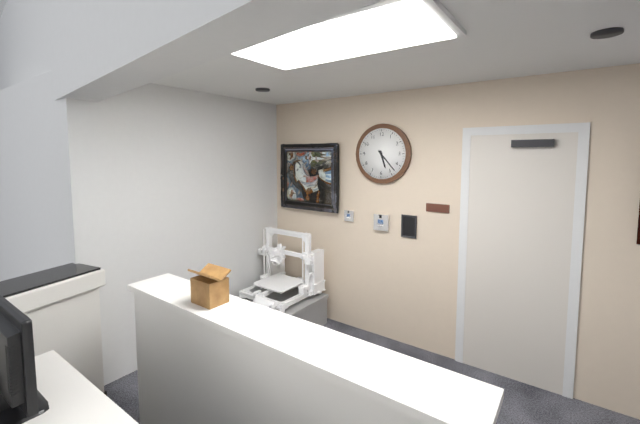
5:23
